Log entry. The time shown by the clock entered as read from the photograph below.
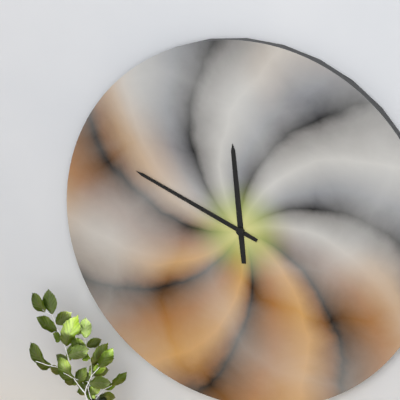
11:49
